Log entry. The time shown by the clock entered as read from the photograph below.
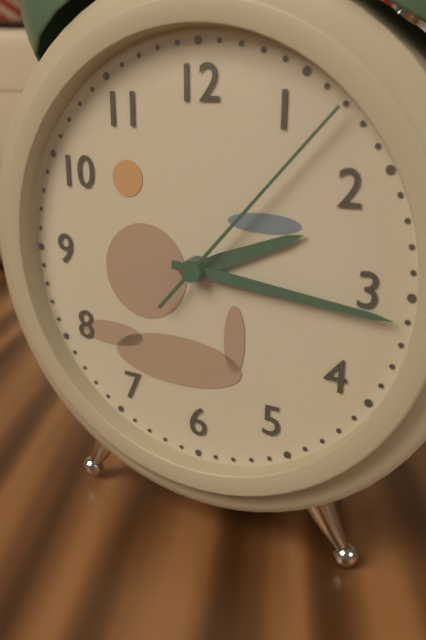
2:16:07
